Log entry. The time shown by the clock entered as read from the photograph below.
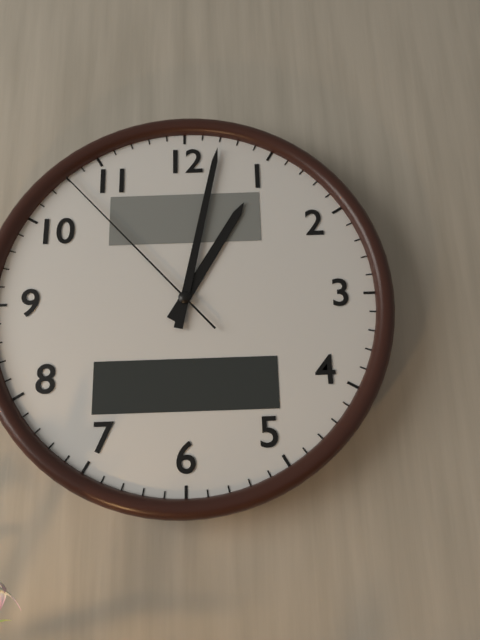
1:02:53
